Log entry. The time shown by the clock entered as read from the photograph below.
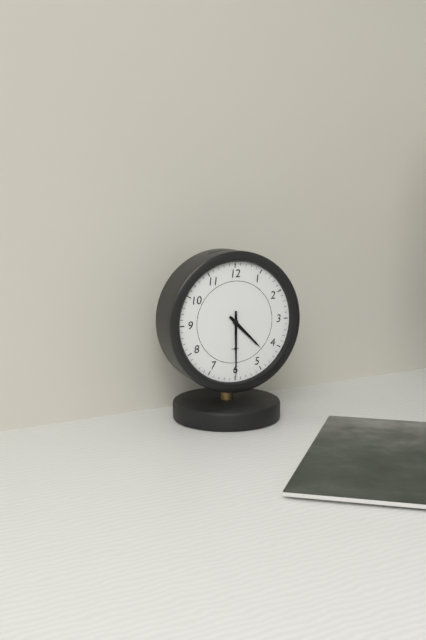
4:30
